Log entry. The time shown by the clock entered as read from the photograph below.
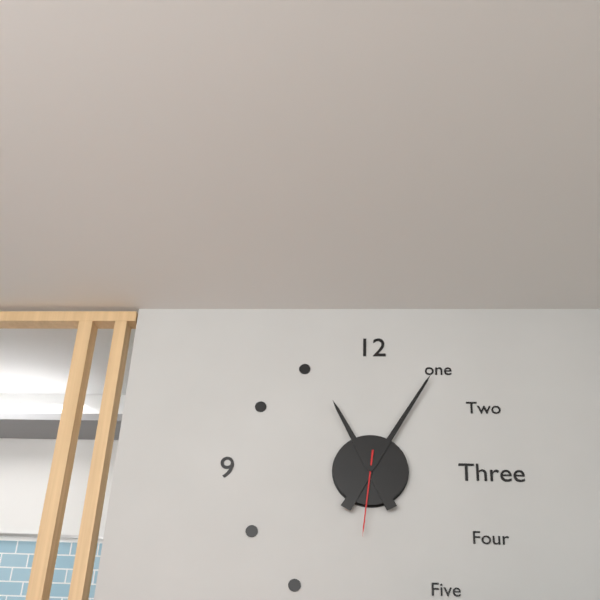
11:05:31
